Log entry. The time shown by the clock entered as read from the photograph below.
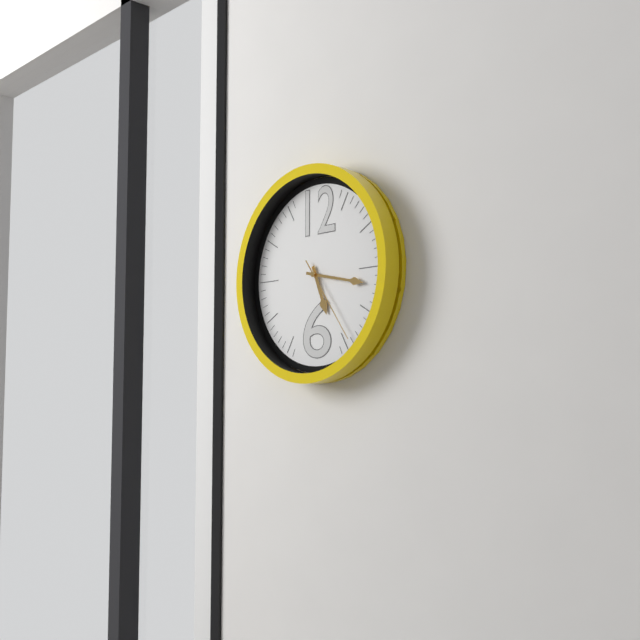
5:17:24
